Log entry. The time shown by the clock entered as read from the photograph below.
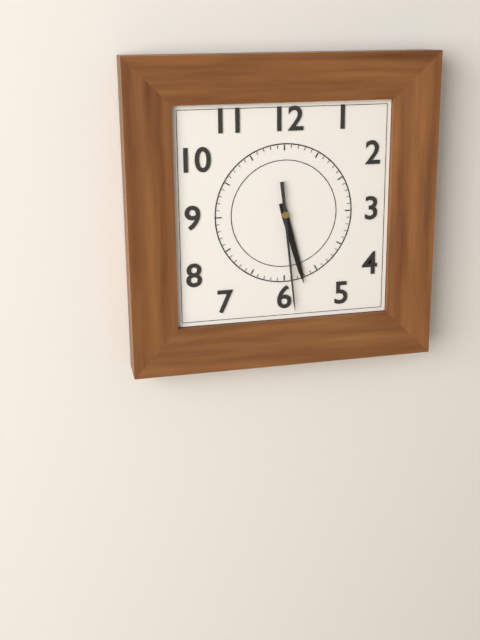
5:29
